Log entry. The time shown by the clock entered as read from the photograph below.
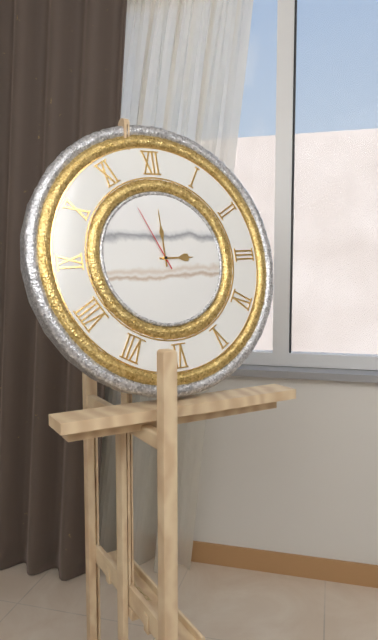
3:00:56
